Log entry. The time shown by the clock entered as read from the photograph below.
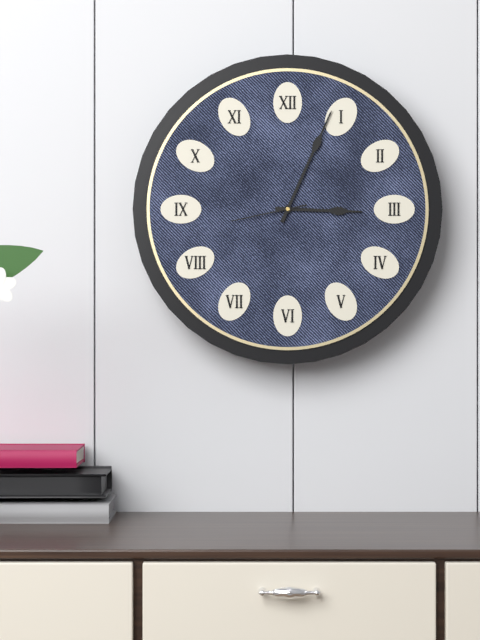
3:04:43
